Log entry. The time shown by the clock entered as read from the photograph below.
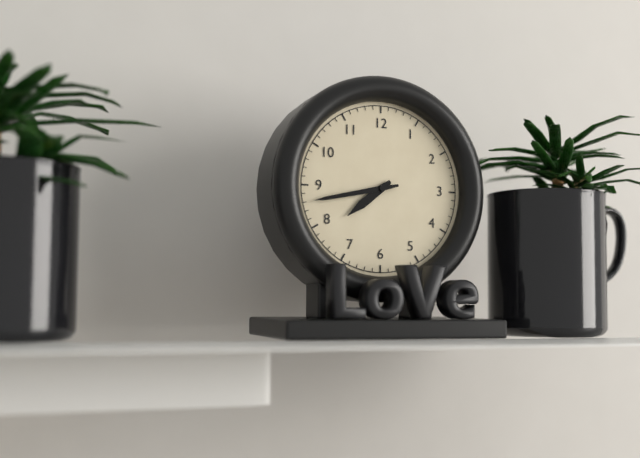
7:43
